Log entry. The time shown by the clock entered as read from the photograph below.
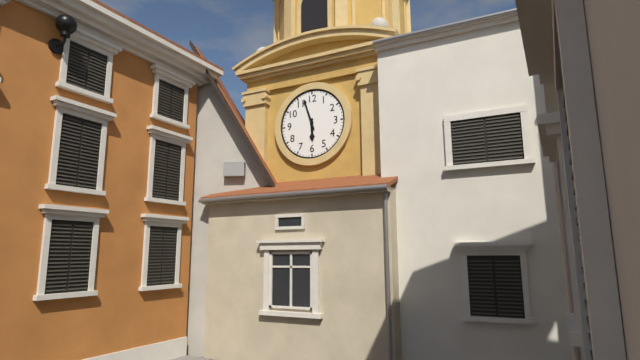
5:57
